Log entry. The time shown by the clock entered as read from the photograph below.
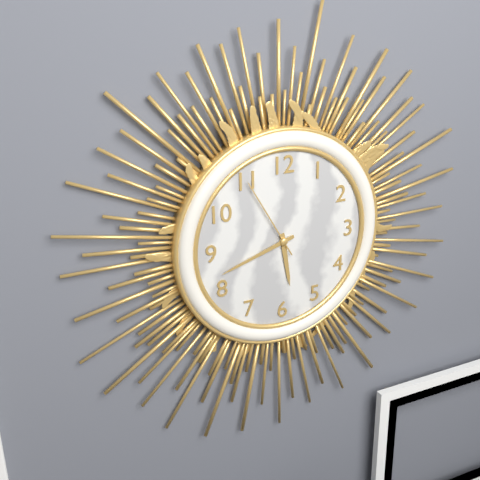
5:42:55
